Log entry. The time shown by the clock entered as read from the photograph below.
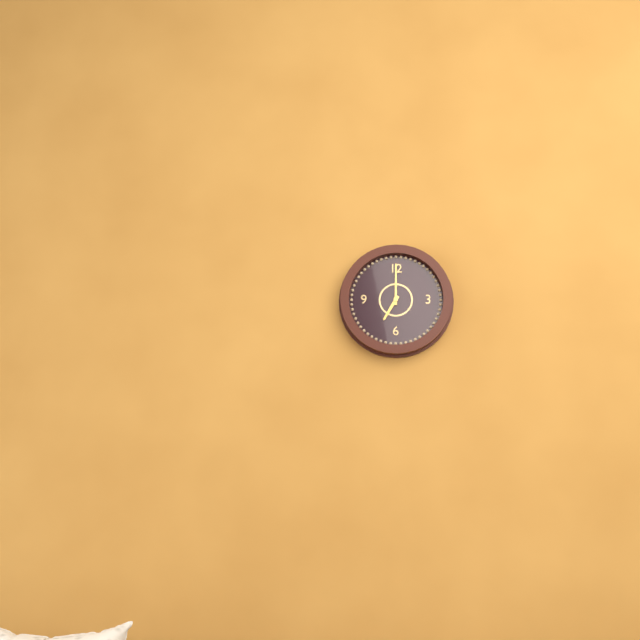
7:00
